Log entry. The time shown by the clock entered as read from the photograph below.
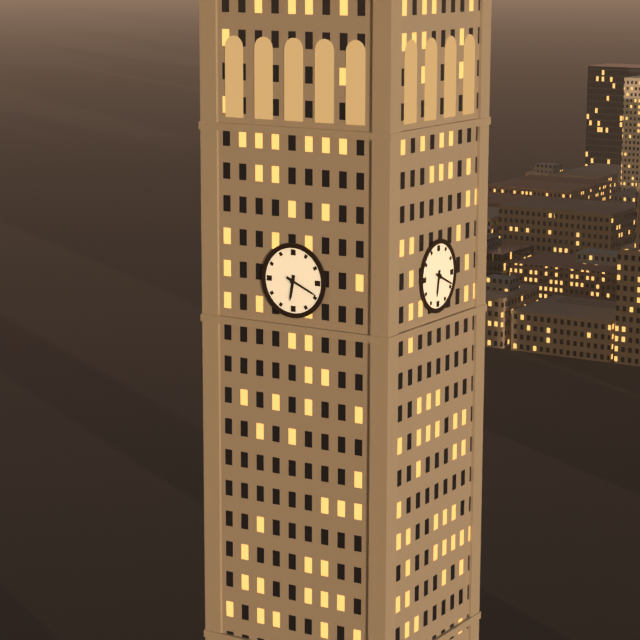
6:19
